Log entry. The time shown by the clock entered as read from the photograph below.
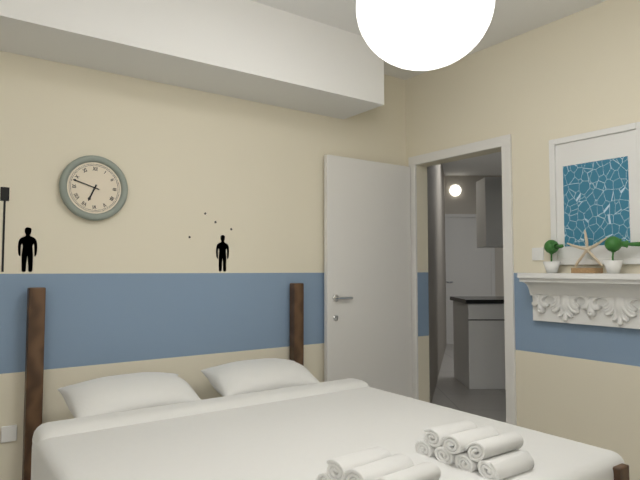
6:48
